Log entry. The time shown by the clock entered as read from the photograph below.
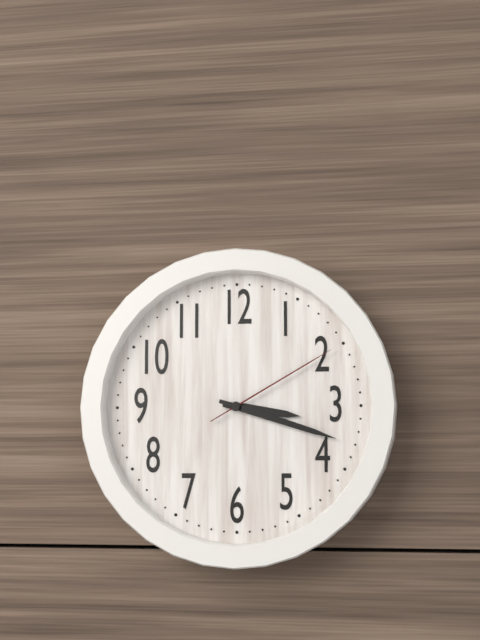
3:18:10
